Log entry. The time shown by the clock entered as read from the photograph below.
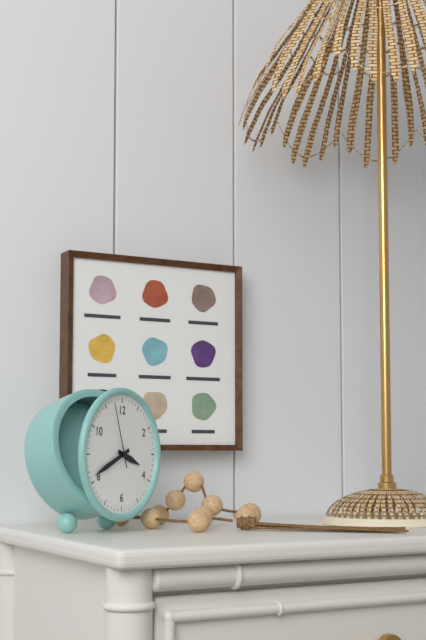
3:41:57
